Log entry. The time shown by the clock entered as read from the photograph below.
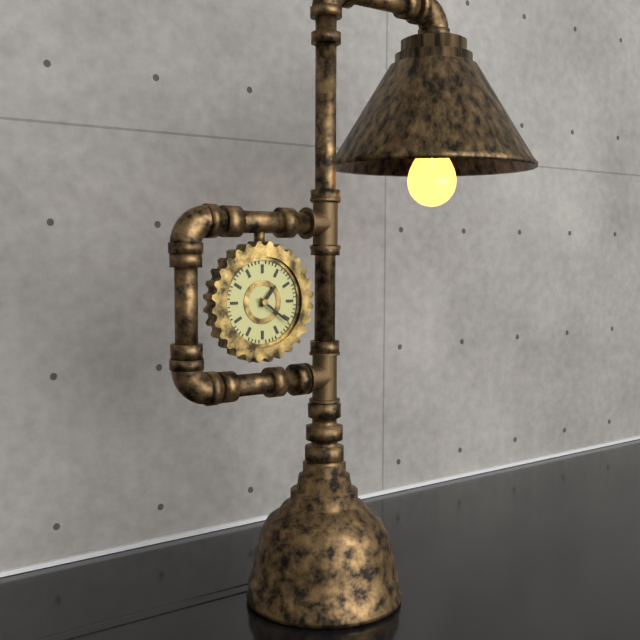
1:21
